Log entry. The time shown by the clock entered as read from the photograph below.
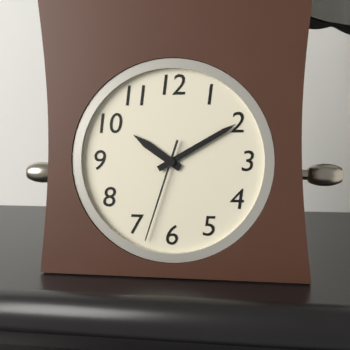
10:10:33
